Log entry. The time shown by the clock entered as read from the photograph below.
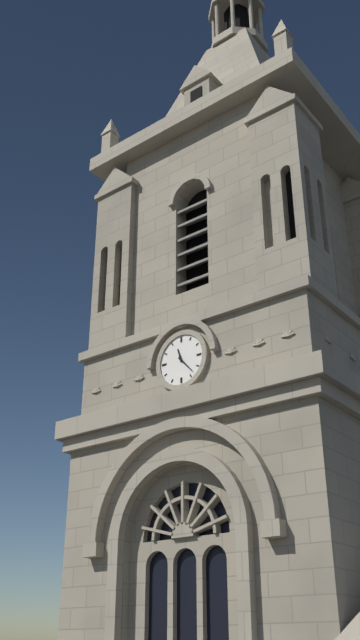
11:23
